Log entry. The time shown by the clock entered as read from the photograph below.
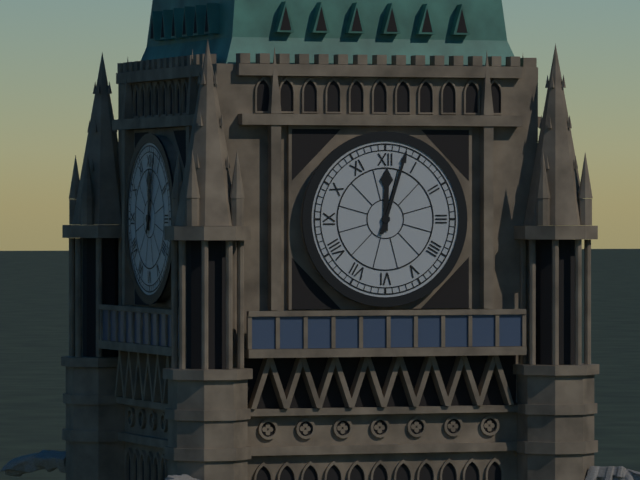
12:03
